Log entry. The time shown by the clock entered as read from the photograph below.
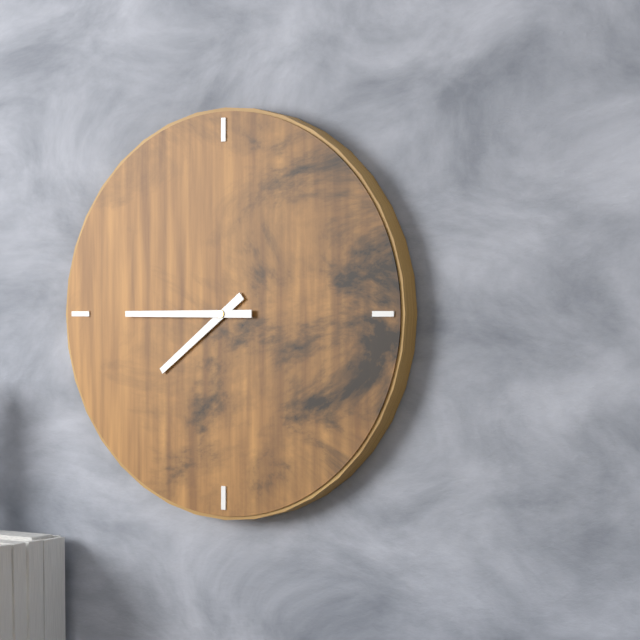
7:45
